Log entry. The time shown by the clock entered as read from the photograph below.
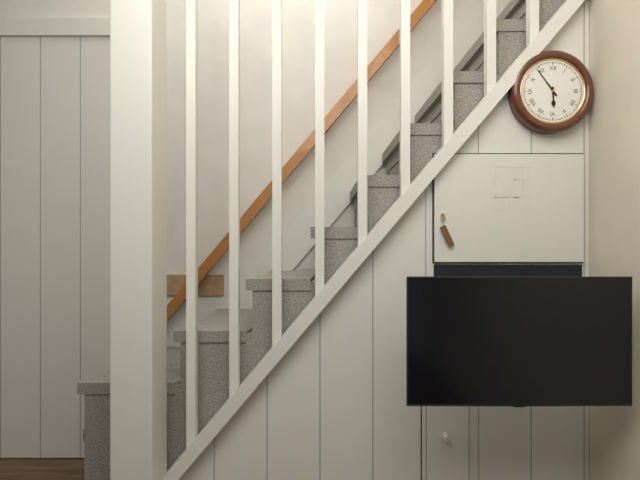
5:54
